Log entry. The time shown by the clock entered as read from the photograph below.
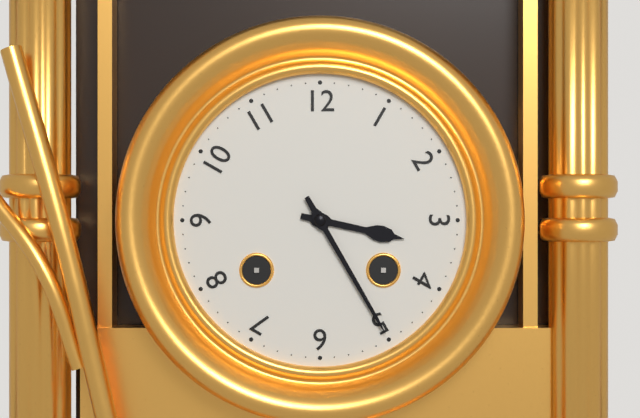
3:25
